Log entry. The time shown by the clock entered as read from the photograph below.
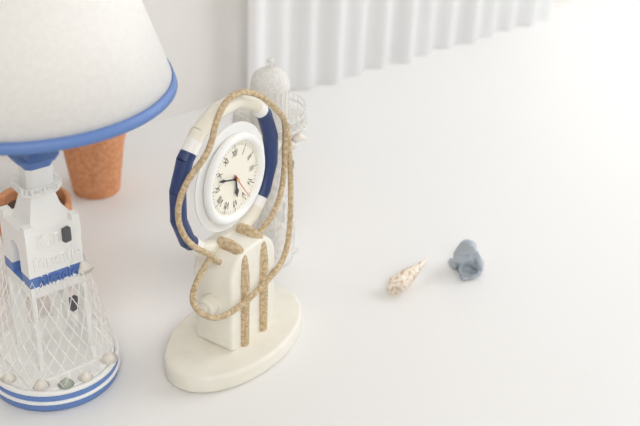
5:48
